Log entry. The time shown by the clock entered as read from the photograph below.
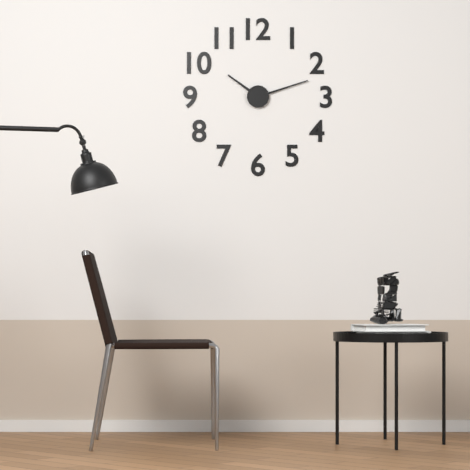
10:12
